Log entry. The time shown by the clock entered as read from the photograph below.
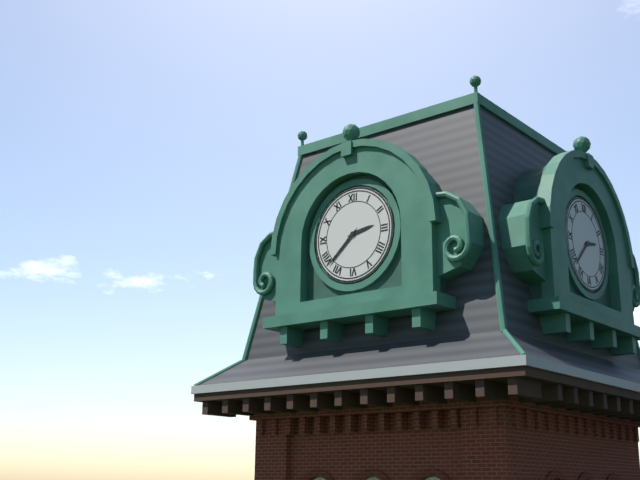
2:38
